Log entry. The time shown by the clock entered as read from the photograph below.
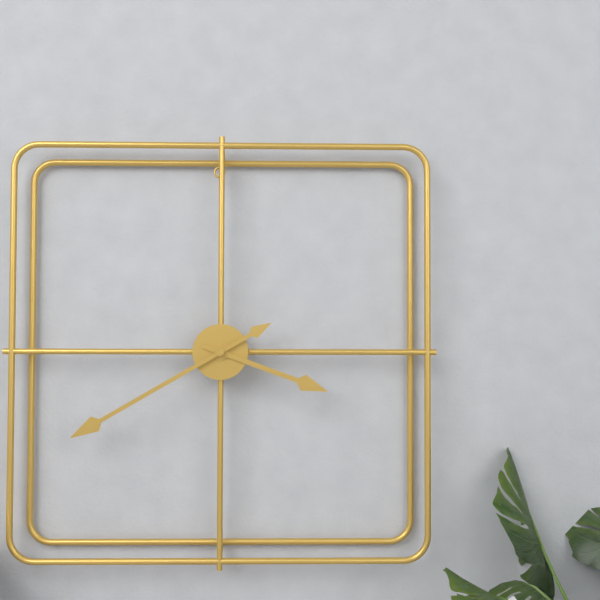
3:40
